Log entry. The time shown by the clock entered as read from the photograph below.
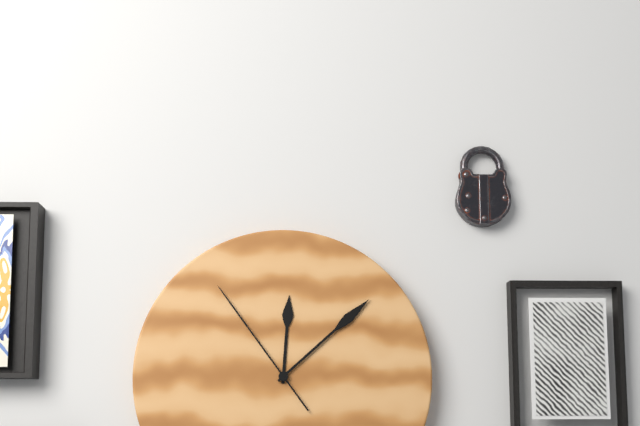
12:08:54
